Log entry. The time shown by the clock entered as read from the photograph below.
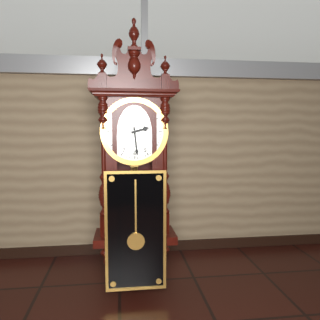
2:29
